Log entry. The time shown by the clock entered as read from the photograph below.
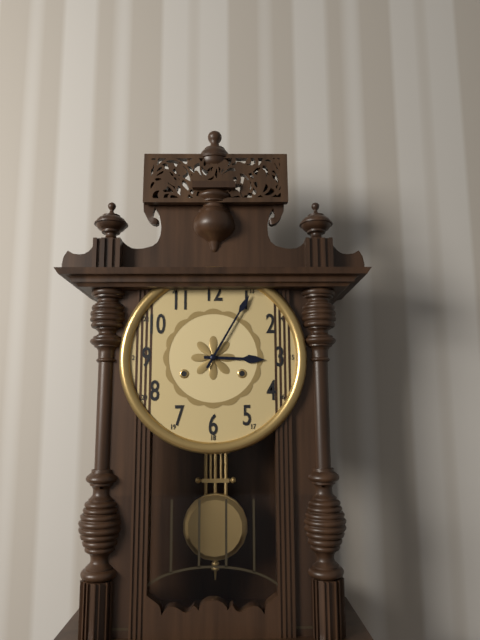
3:05
